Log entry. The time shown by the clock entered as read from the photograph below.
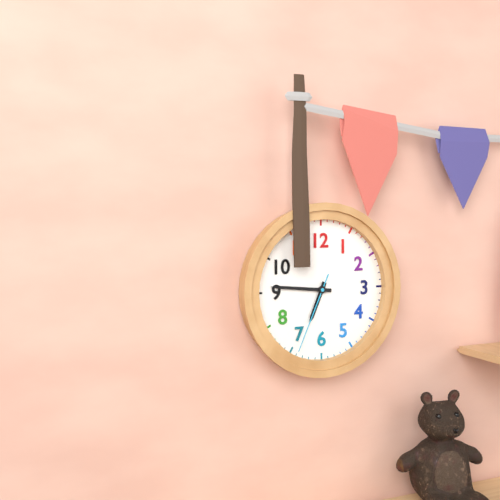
6:46:34
